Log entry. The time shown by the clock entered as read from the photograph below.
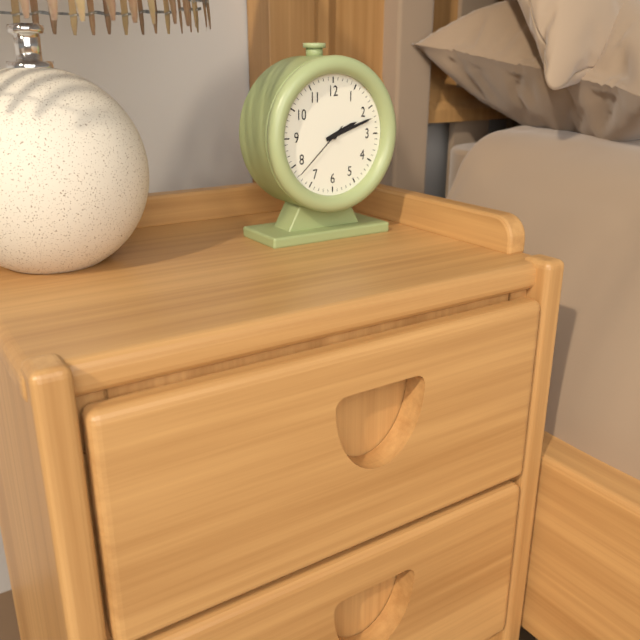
2:12:38
